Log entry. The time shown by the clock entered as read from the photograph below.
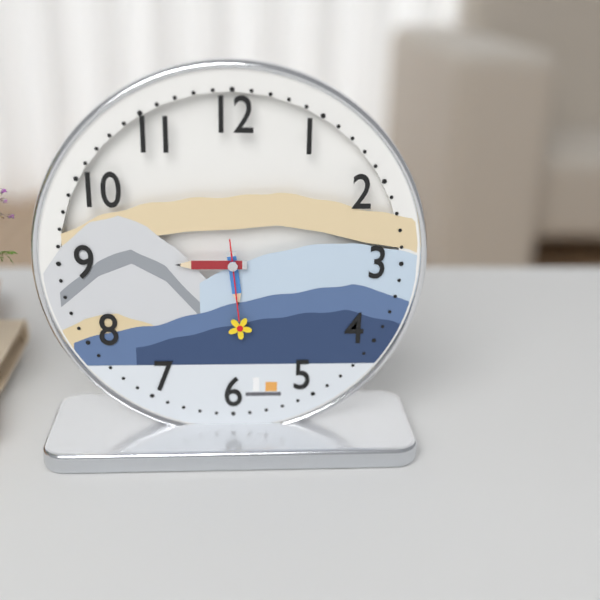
5:45:29
